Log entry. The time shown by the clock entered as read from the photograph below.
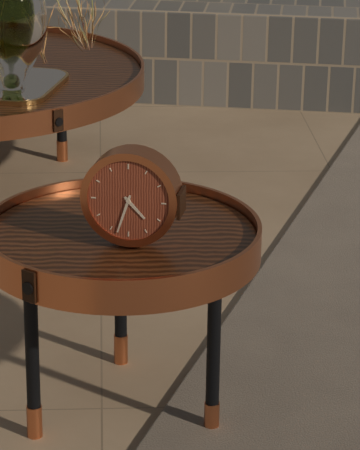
4:33
